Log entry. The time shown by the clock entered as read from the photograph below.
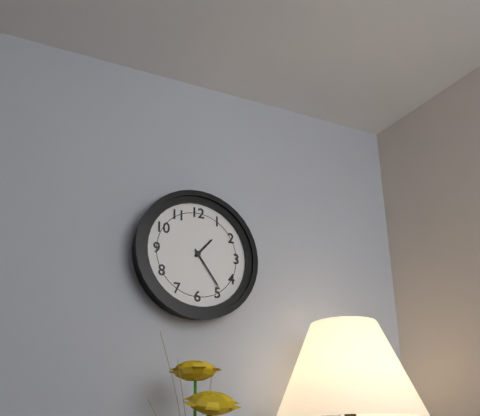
1:24
